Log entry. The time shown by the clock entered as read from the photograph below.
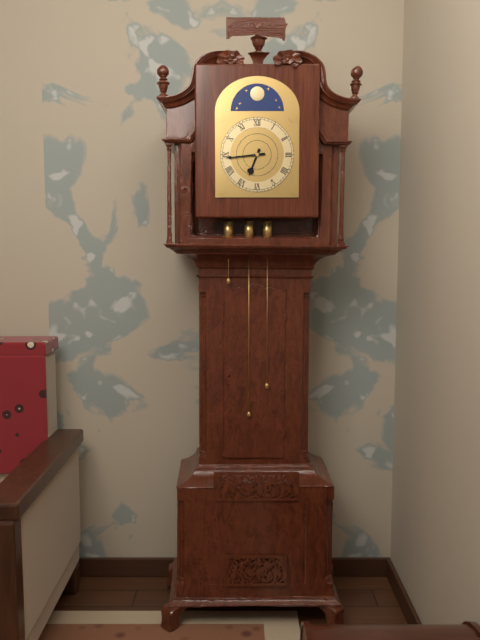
6:44
